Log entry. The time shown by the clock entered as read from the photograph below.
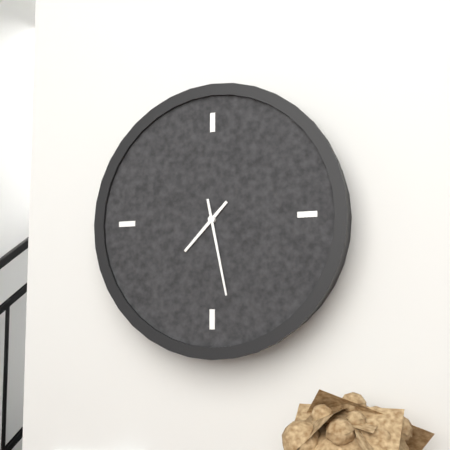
7:28
